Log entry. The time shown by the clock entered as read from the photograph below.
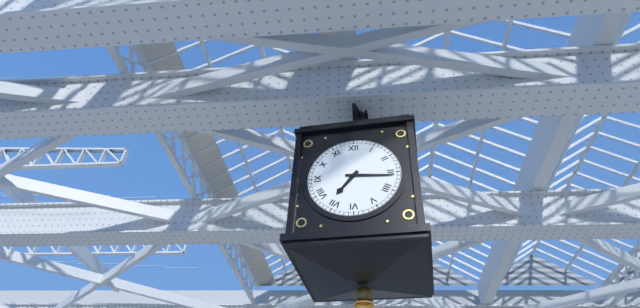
7:16
